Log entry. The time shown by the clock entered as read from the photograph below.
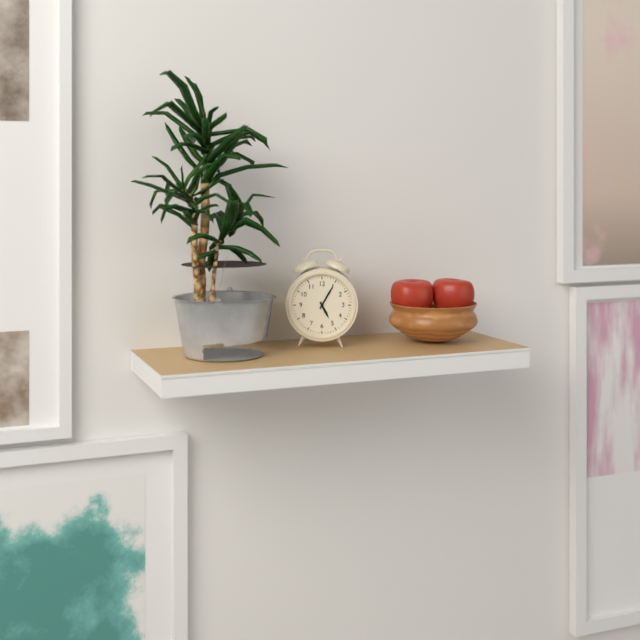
5:05
